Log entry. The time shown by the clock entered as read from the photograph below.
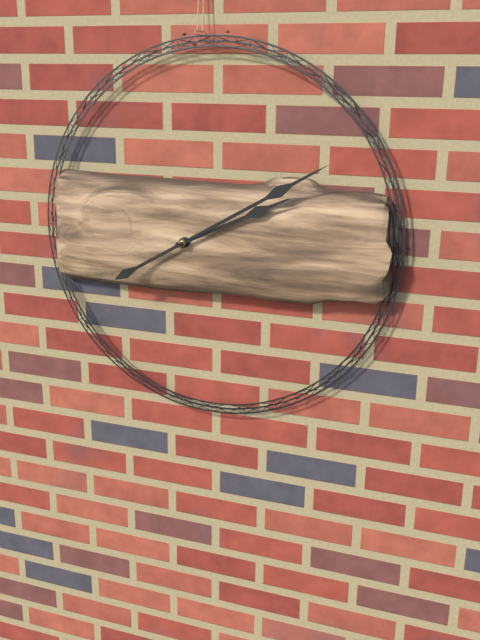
2:10
